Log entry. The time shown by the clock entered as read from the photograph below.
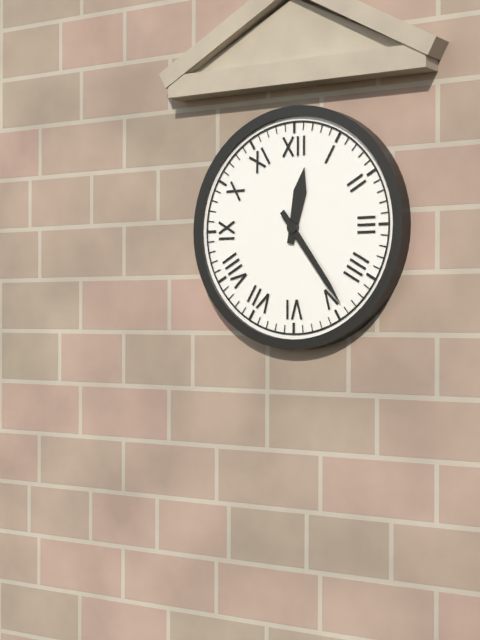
12:24
